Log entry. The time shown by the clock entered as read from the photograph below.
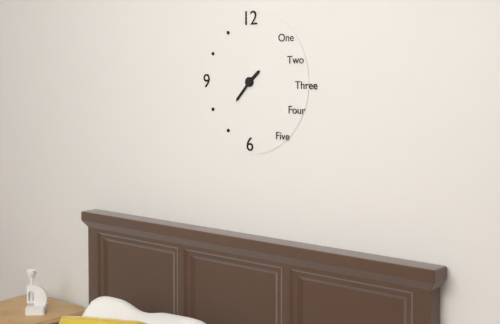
1:37
